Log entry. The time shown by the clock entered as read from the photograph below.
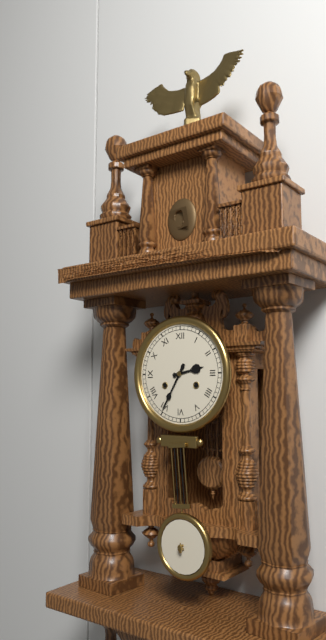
2:35
